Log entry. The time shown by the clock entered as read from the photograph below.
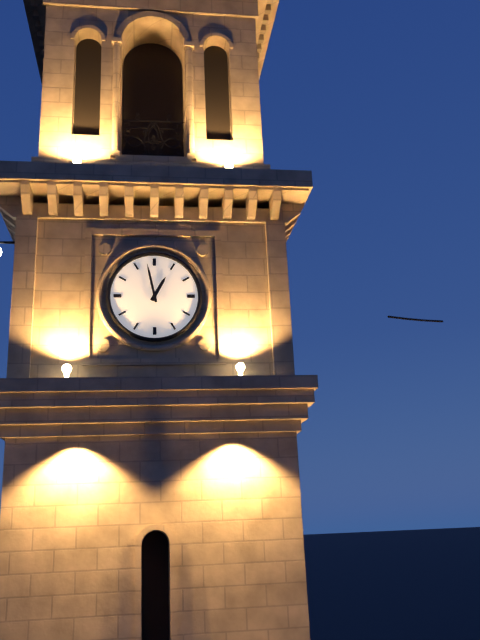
12:58
